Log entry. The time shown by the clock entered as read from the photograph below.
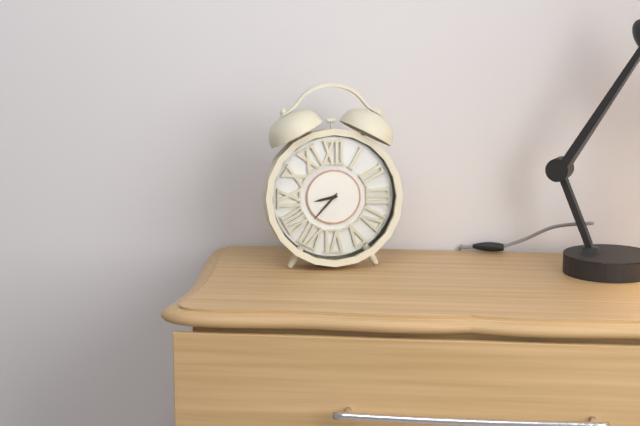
8:37
